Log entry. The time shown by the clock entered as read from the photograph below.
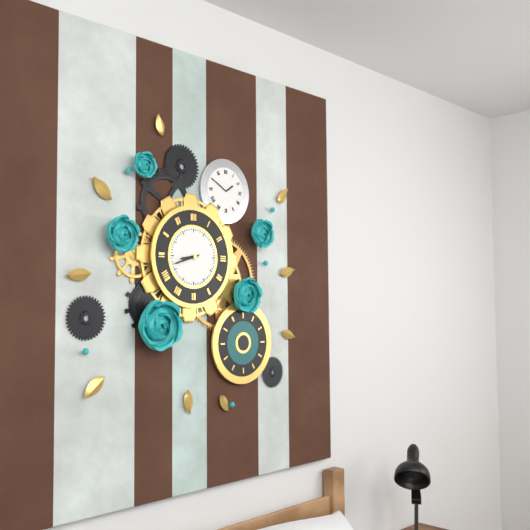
8:42
